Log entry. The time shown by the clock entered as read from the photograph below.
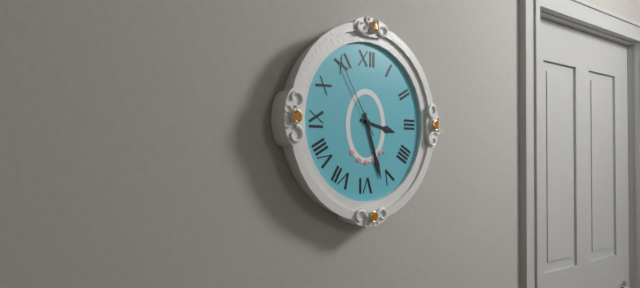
3:27:55
